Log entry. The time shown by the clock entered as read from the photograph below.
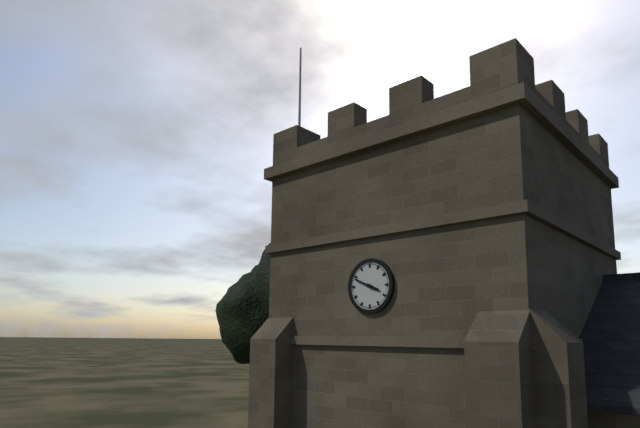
3:49
